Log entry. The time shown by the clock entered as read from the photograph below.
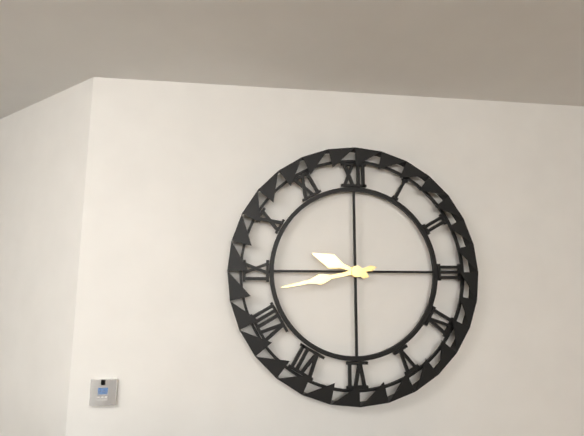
9:43
